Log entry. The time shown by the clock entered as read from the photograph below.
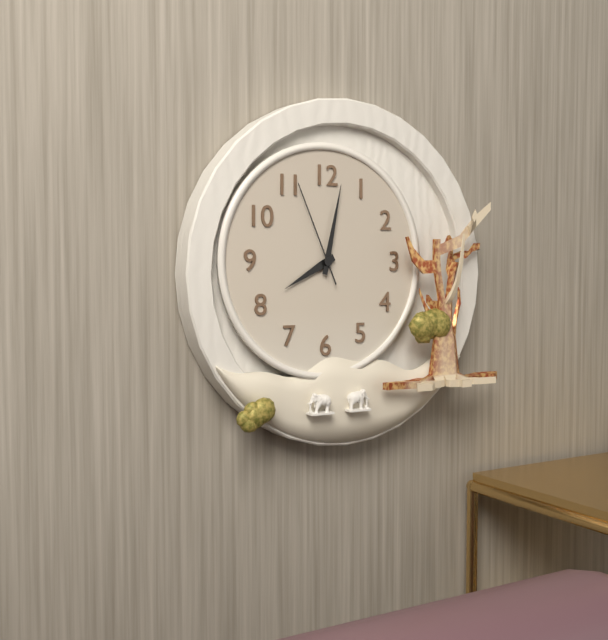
8:02:56
